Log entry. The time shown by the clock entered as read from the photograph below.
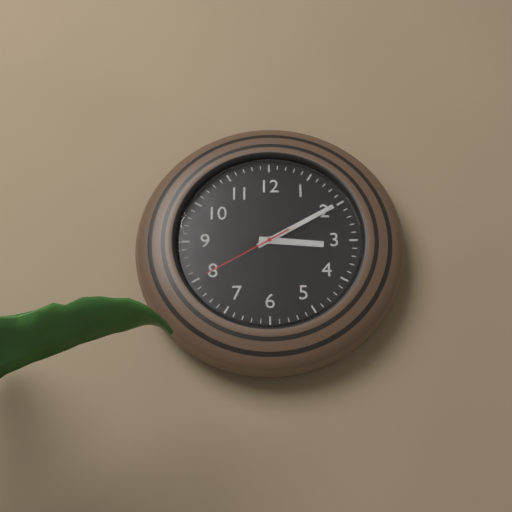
3:10:40
